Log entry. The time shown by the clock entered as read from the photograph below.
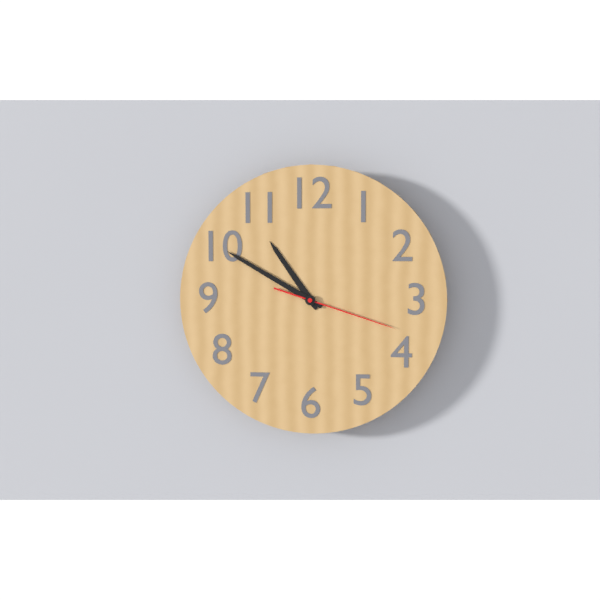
10:50:18
